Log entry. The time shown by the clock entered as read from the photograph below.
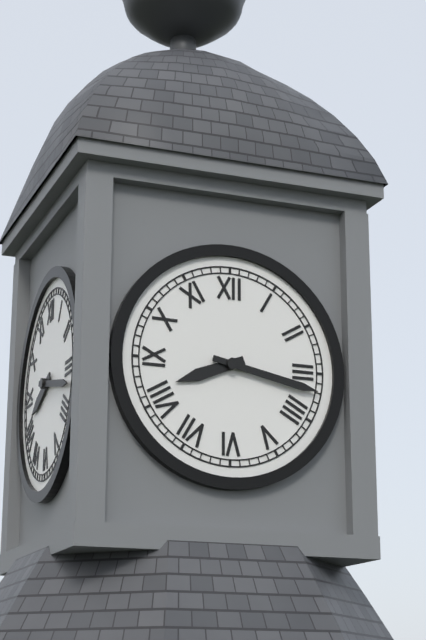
8:17
